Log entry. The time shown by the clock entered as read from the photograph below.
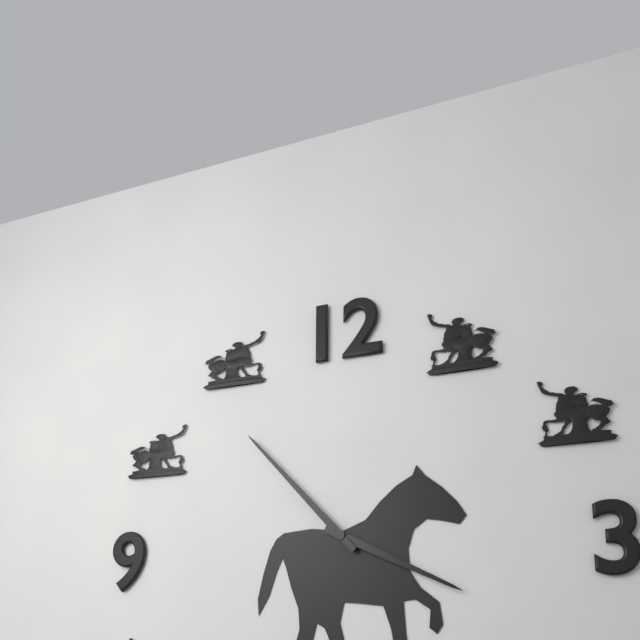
3:53
